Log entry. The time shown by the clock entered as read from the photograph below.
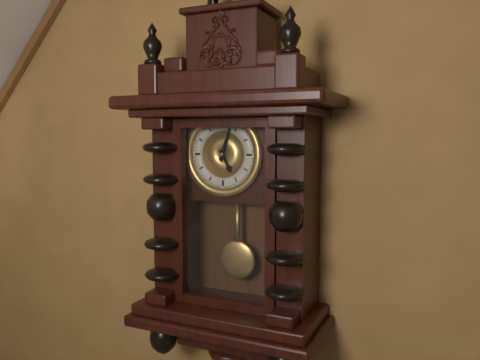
5:03
